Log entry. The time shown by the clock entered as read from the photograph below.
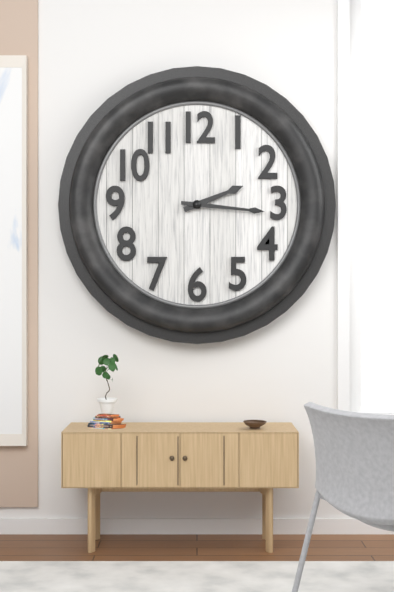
2:16
